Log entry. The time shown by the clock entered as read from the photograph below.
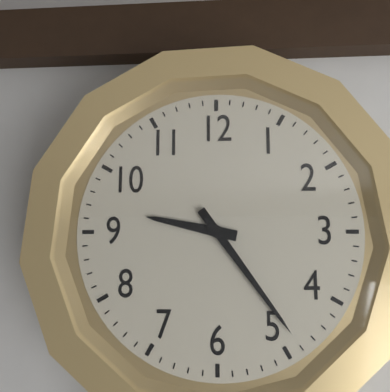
9:24
